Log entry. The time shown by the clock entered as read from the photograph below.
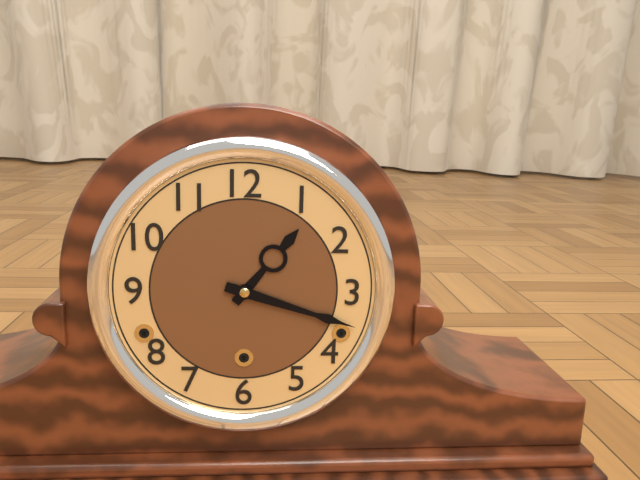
1:18
